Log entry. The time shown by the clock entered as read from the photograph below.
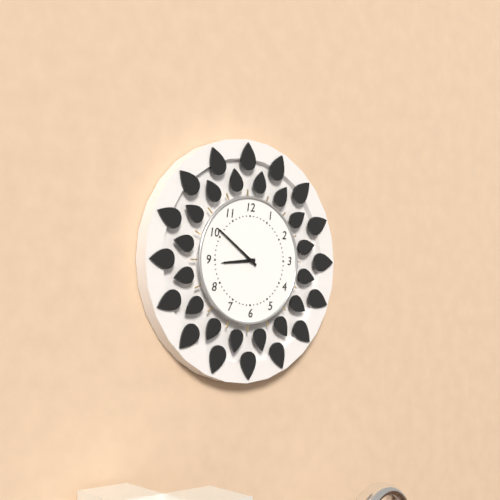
8:51
